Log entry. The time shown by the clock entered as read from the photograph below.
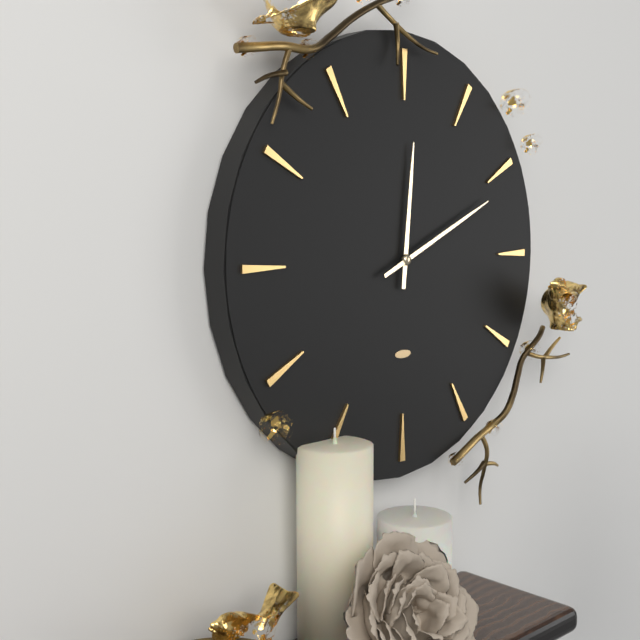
12:11
